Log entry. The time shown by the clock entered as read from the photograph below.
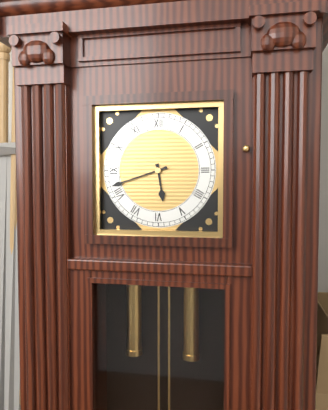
5:42
